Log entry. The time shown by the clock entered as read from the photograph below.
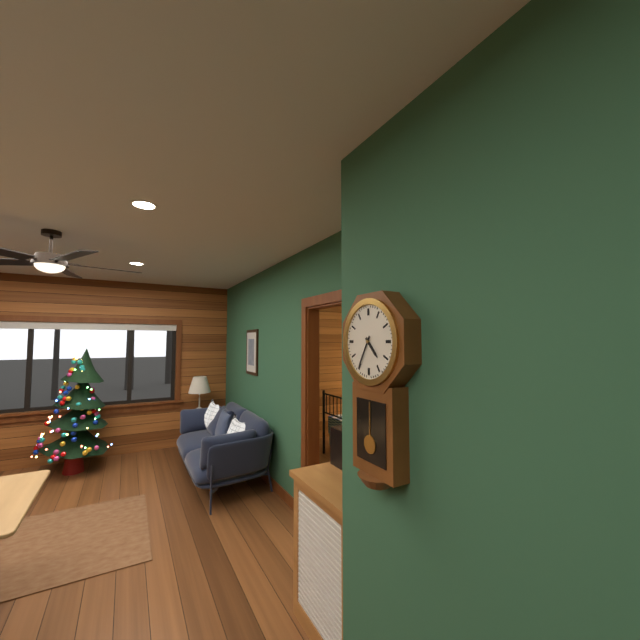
4:35
